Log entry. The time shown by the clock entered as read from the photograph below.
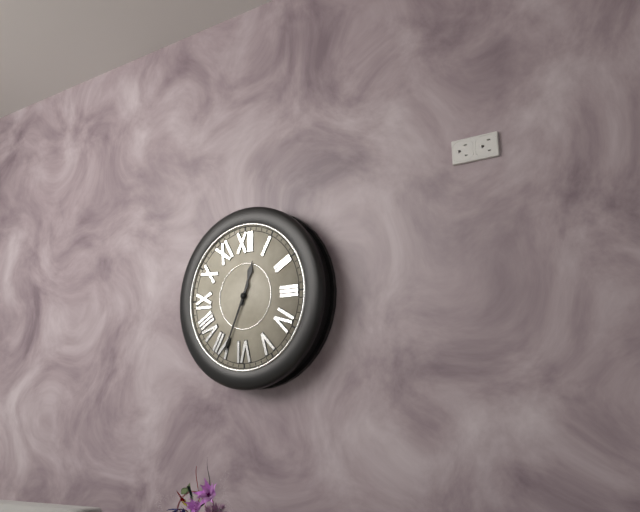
12:34
